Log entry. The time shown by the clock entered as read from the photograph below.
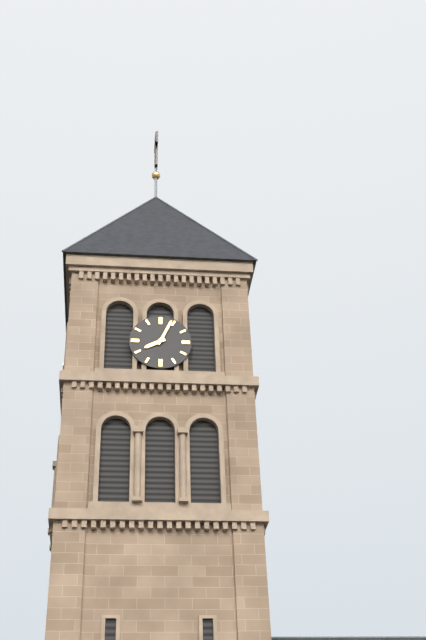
8:04
